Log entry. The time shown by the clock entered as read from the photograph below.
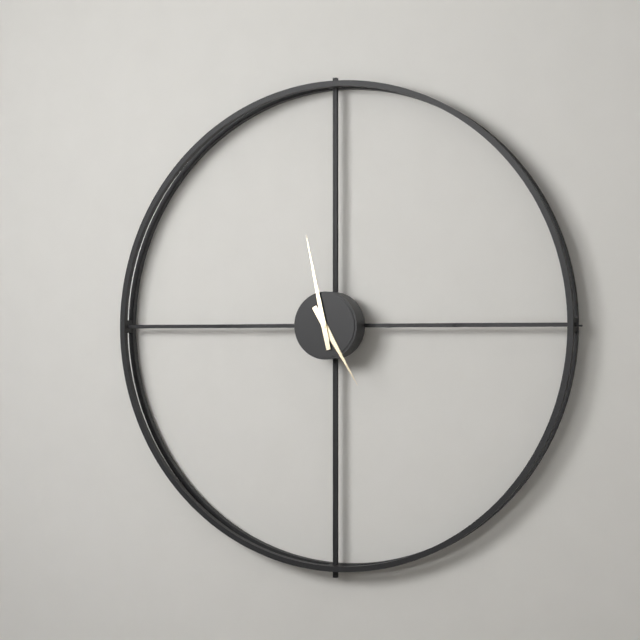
4:58
